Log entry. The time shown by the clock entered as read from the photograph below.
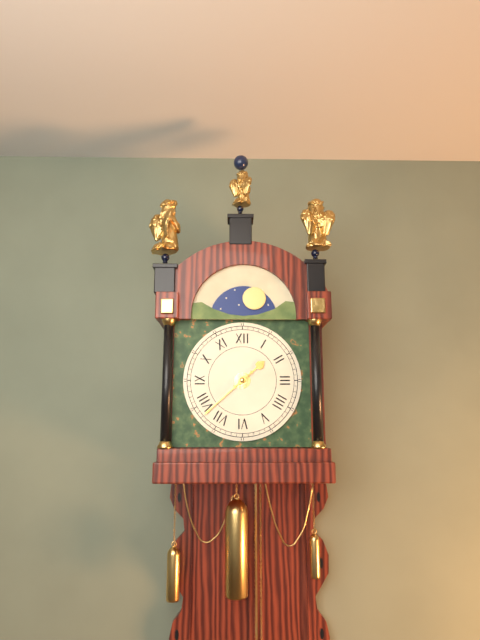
1:38
